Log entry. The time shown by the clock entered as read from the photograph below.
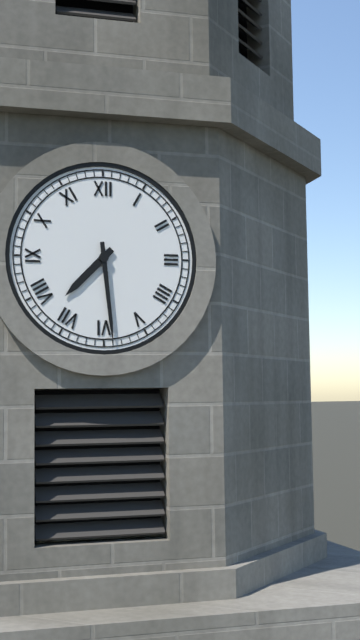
7:29
